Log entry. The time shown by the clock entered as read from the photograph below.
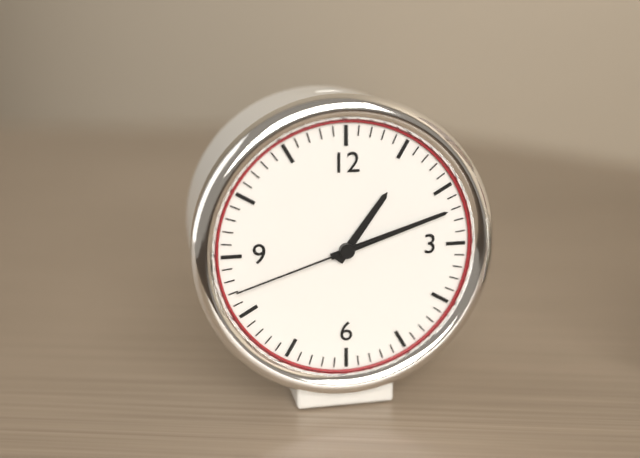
1:12:42
